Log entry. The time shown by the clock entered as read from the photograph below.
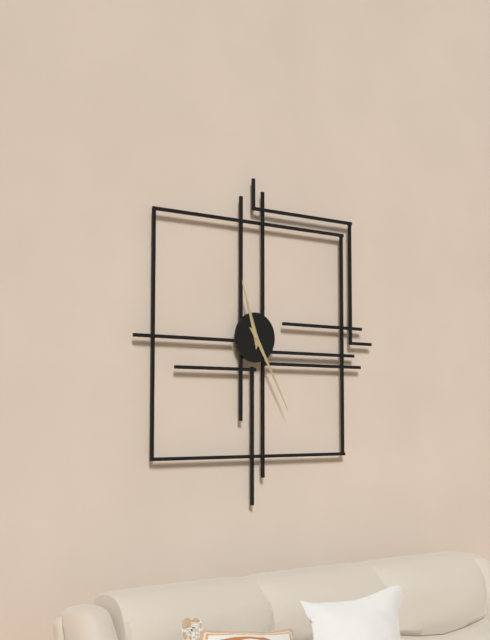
11:25
